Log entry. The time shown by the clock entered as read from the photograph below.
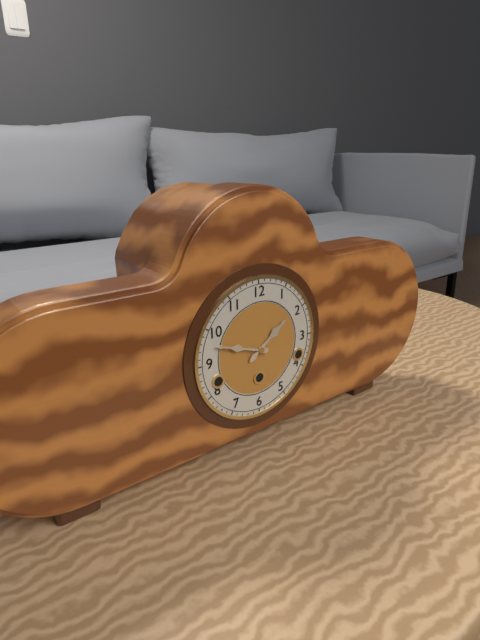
1:48
